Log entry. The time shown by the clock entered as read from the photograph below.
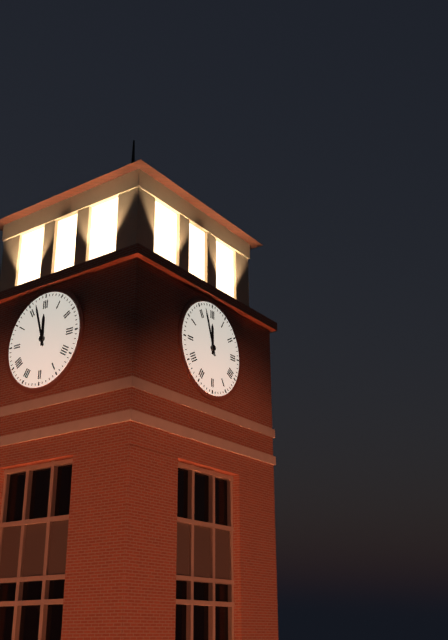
11:57
